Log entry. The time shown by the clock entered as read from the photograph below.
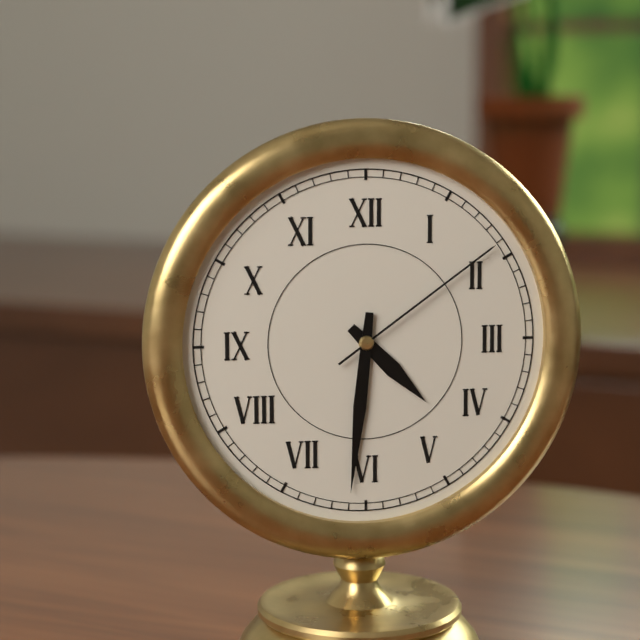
4:31:09
